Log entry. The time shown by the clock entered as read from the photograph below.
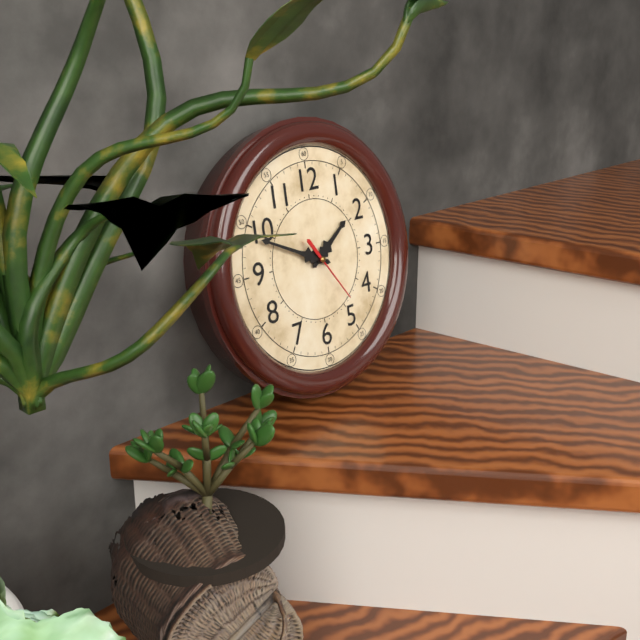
1:49:24
